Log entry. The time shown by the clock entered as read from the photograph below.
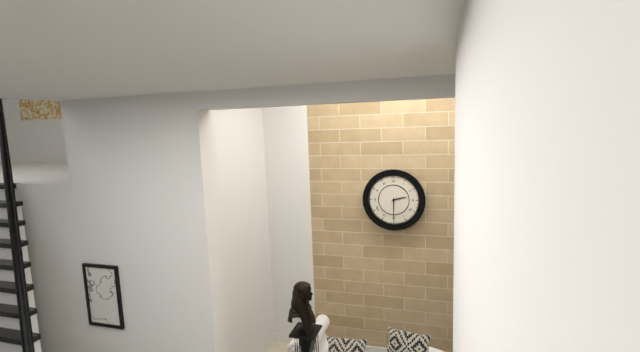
2:30
